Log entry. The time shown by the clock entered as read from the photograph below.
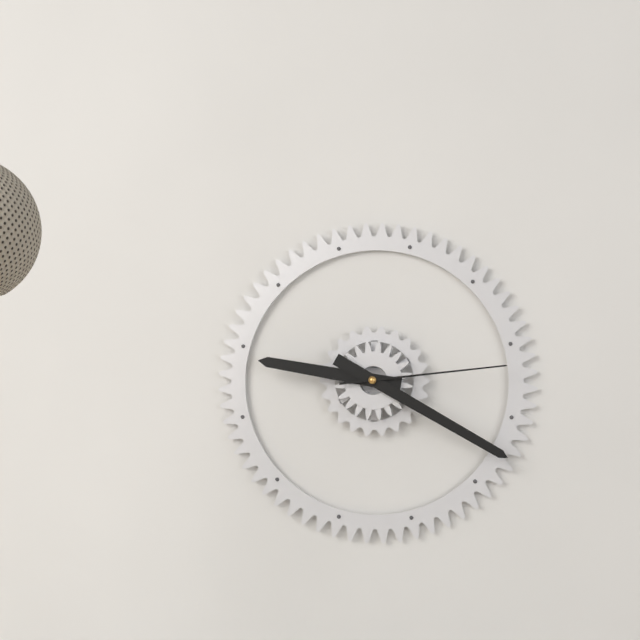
9:20:14
